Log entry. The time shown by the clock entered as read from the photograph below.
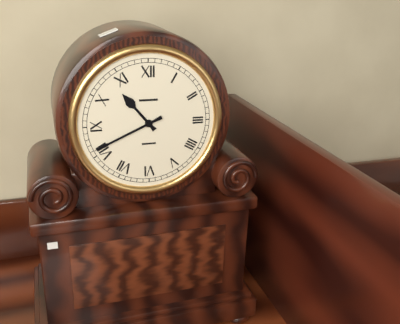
10:41
